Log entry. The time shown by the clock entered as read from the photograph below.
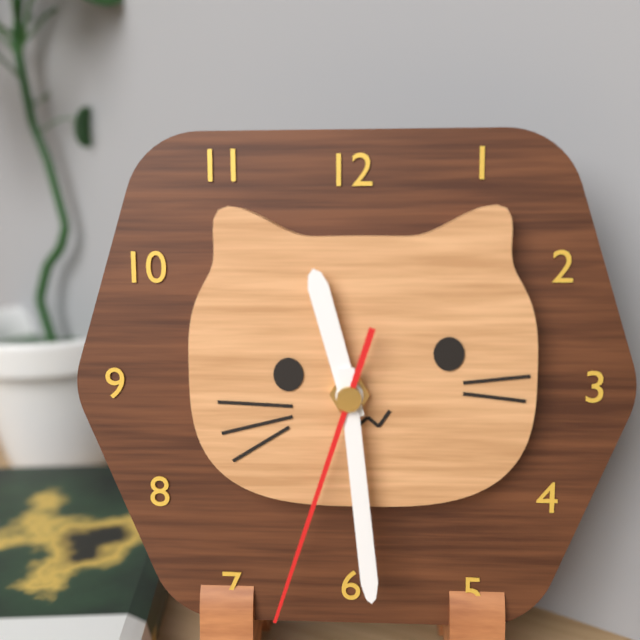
11:29:33
